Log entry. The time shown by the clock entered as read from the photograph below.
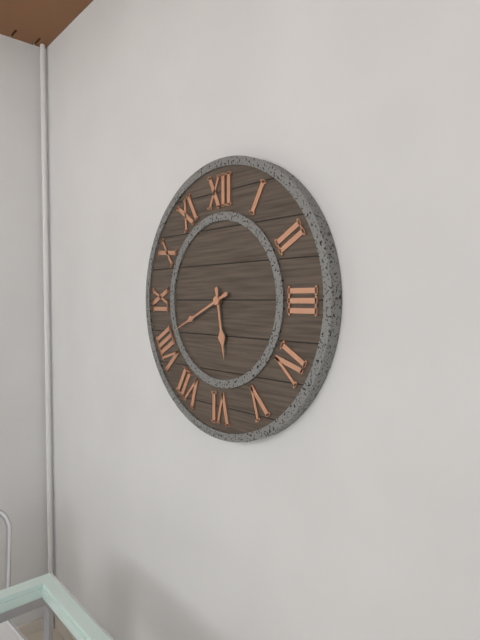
5:41
